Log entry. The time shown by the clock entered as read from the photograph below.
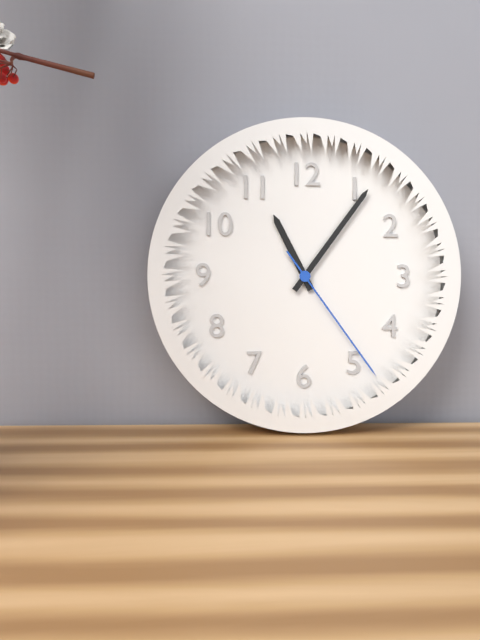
11:06:24
